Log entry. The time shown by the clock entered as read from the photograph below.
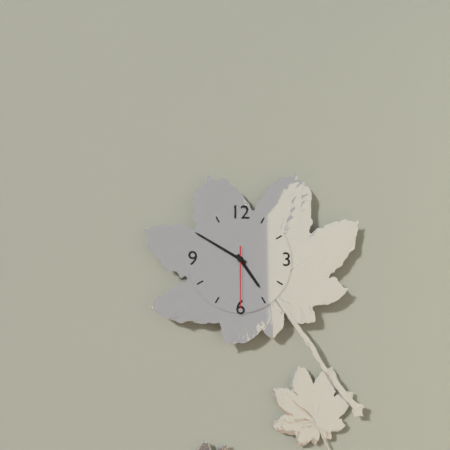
4:50:30
